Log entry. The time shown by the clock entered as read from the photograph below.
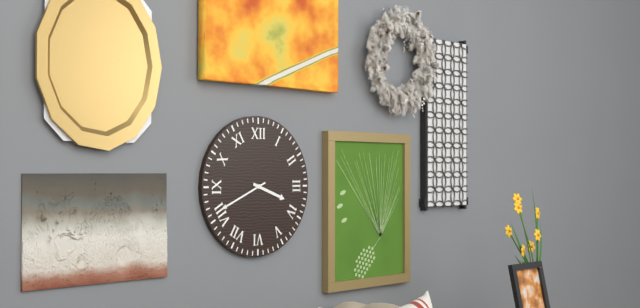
3:41
